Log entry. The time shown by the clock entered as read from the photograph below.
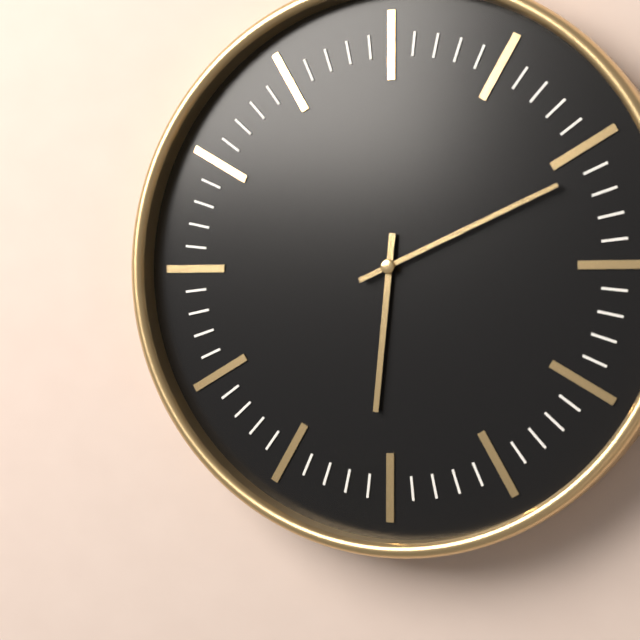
6:11
